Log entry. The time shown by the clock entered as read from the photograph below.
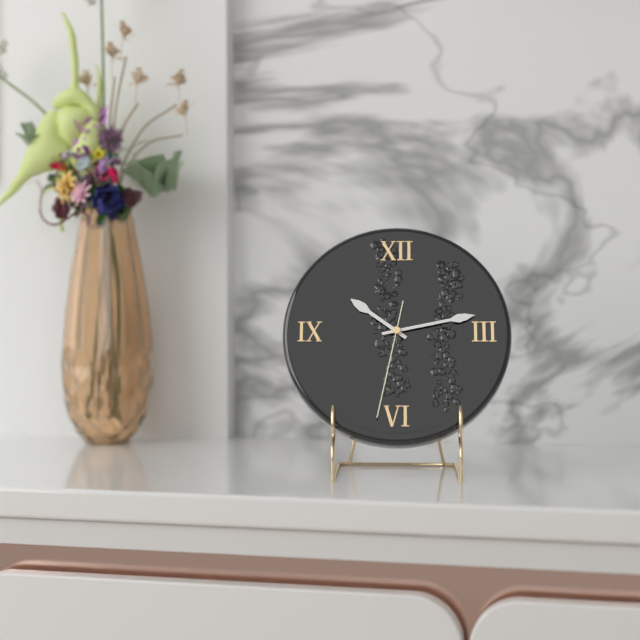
10:13:32
